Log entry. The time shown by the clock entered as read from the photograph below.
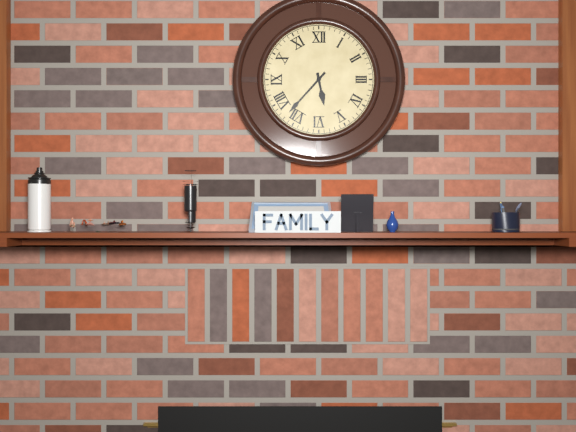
5:37
